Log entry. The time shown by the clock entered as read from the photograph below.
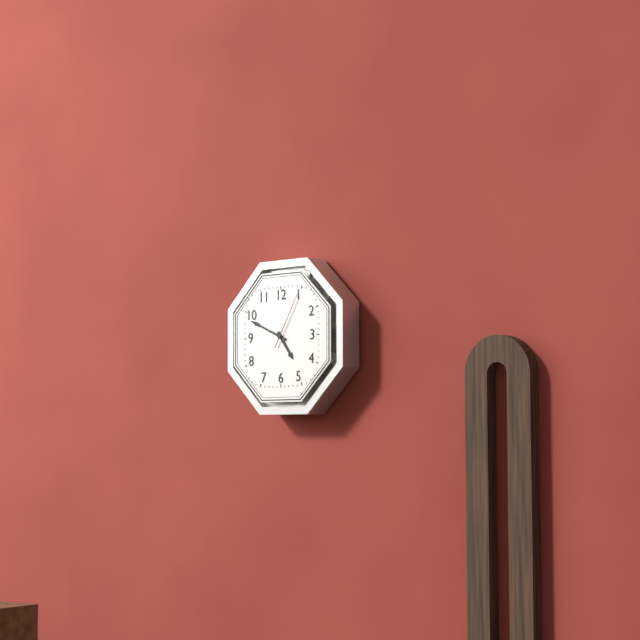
4:49:05
